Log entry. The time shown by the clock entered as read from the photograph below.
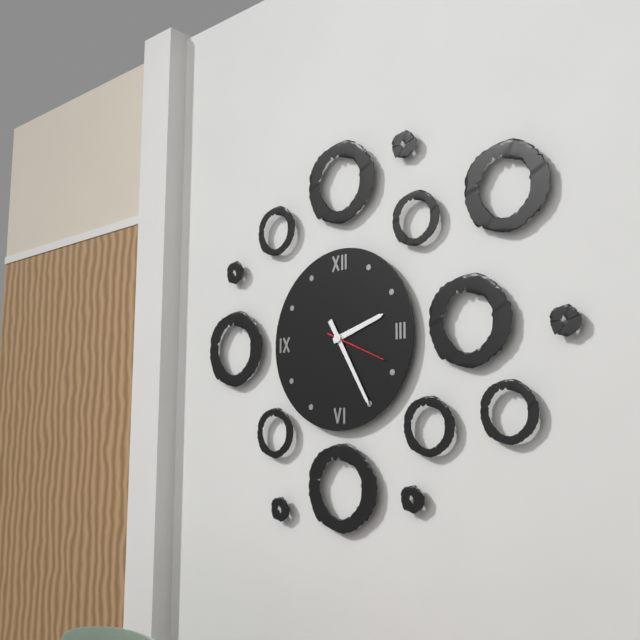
2:25:19
